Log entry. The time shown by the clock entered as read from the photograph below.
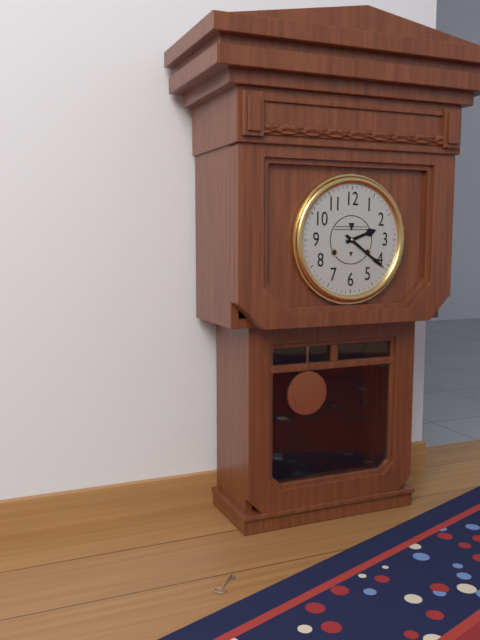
2:21
